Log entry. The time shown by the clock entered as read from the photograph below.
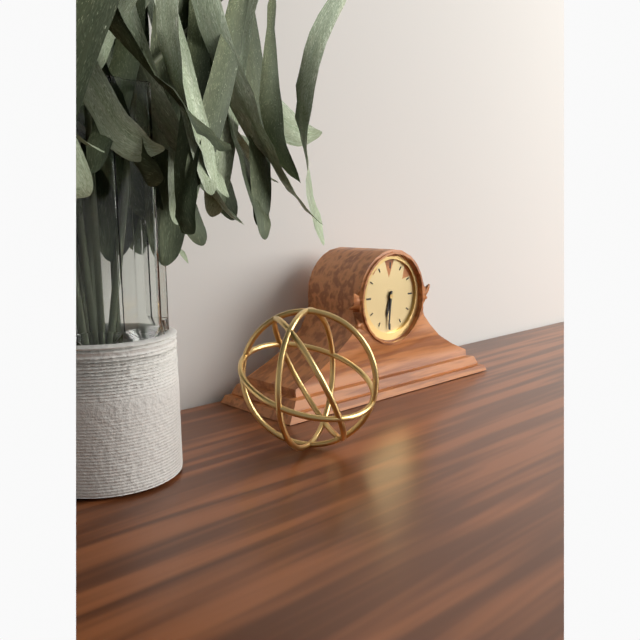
6:31
